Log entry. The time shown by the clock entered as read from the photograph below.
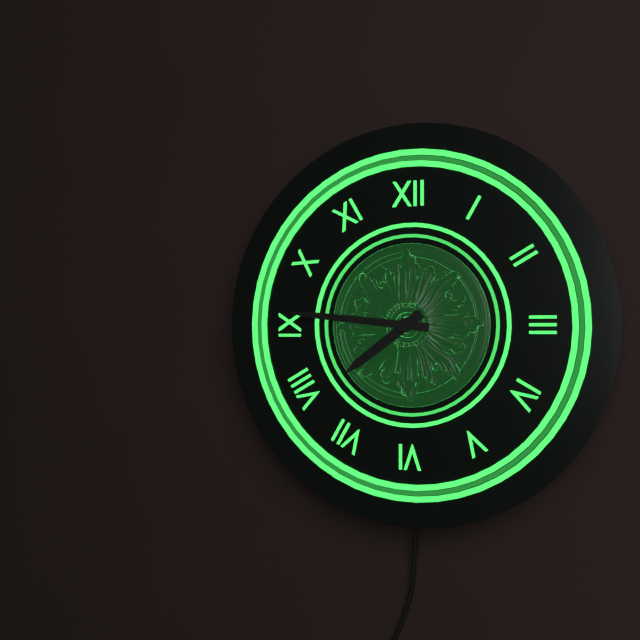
7:46
